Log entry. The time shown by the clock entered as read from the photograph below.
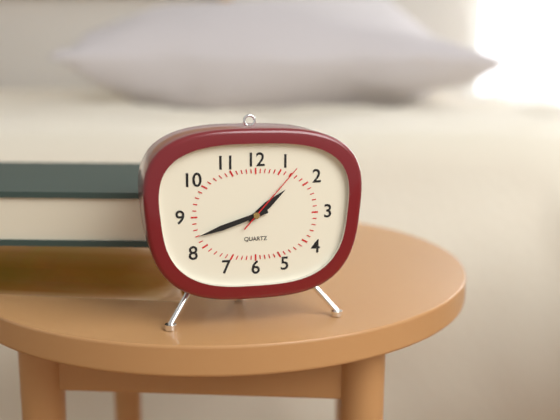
1:42:07
